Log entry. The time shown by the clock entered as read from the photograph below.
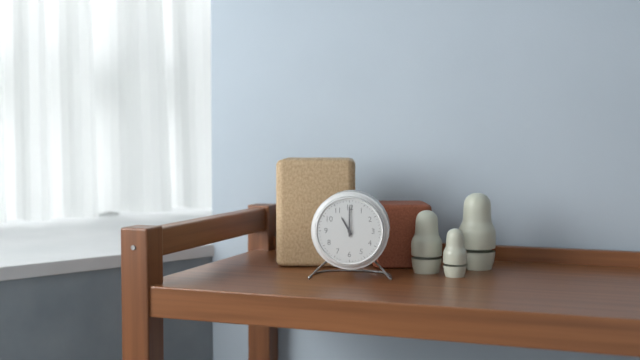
11:00
